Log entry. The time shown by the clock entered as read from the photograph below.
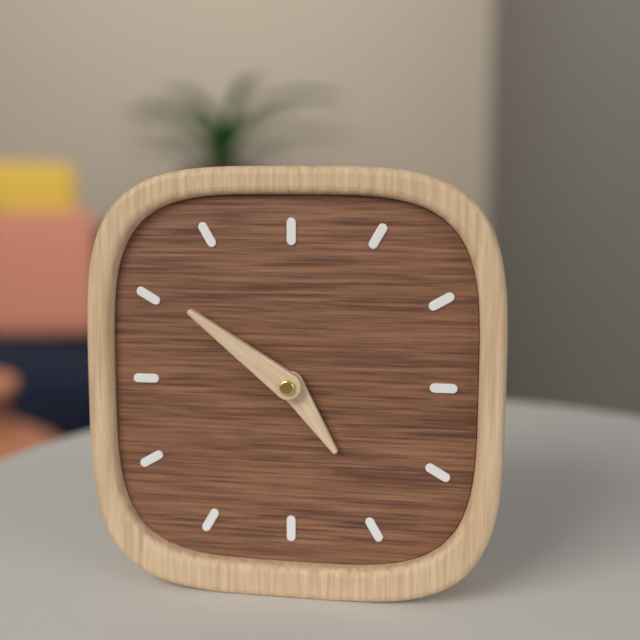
4:51
